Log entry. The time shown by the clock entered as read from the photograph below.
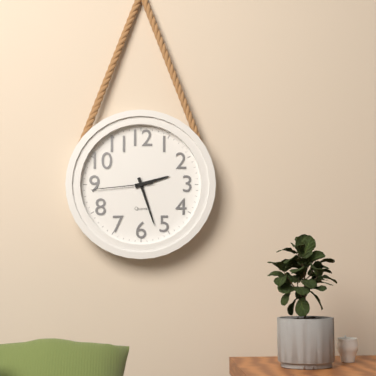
2:27:44
